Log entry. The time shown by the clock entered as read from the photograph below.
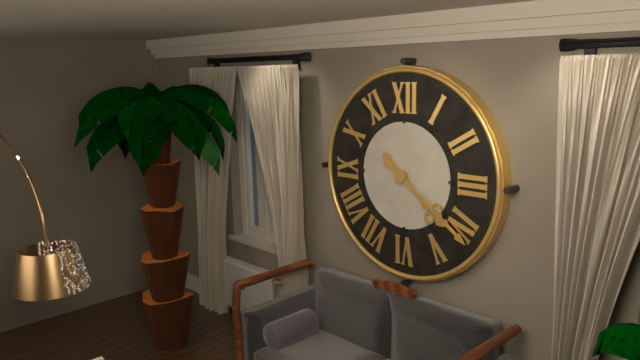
4:21
